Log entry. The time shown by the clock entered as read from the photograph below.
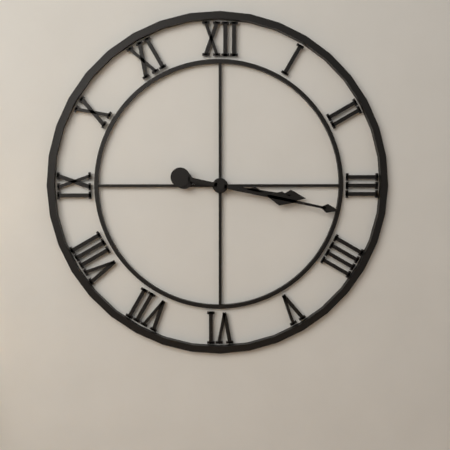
3:17
